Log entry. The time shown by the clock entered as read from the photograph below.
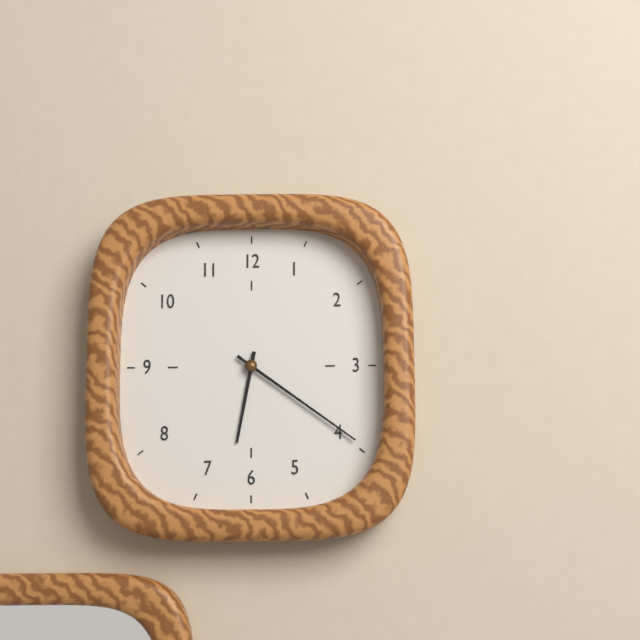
6:21
